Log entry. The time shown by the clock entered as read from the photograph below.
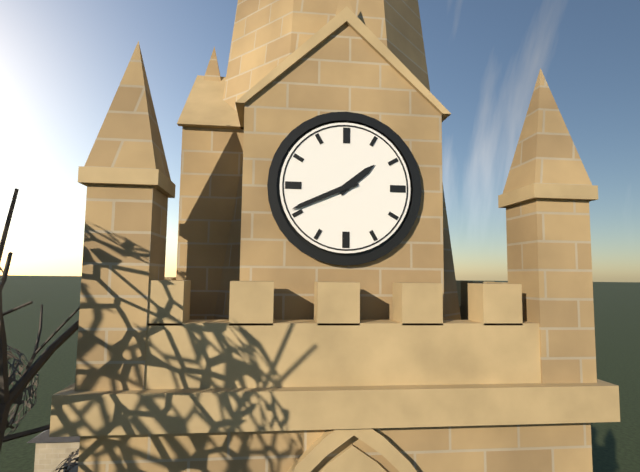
1:41
